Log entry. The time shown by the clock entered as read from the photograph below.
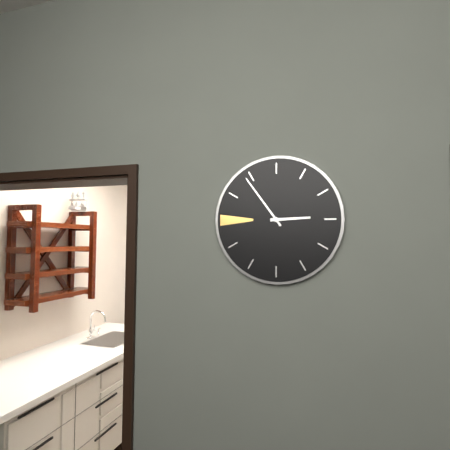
2:54
